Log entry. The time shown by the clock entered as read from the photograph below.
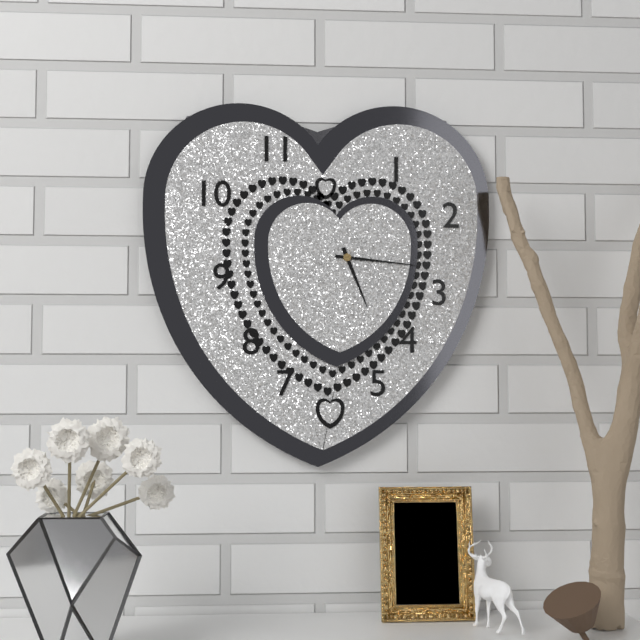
5:16
